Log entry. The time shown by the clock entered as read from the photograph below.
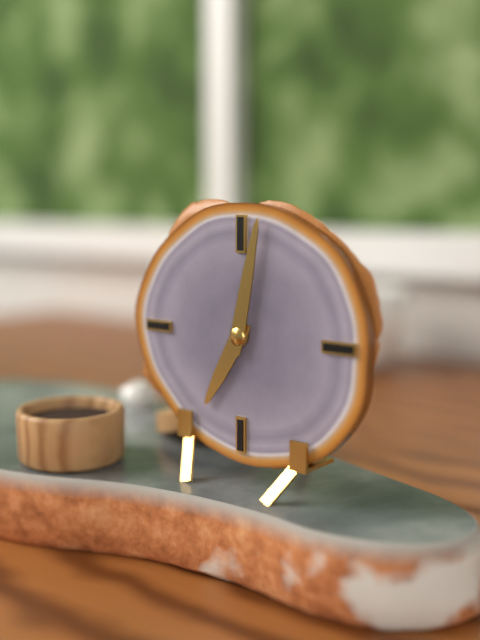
7:02
